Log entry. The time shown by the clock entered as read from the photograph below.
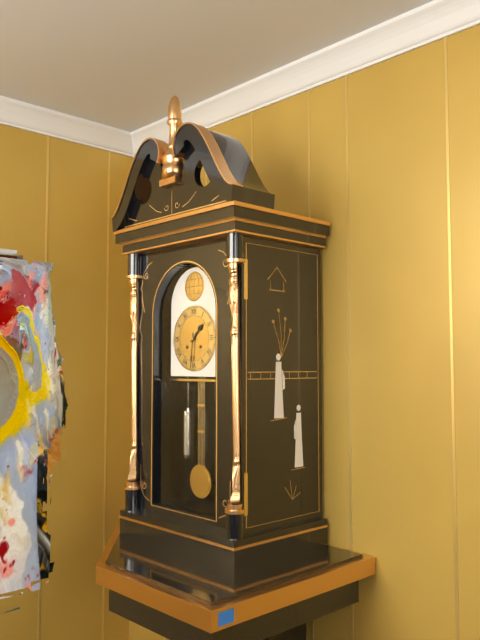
1:31
